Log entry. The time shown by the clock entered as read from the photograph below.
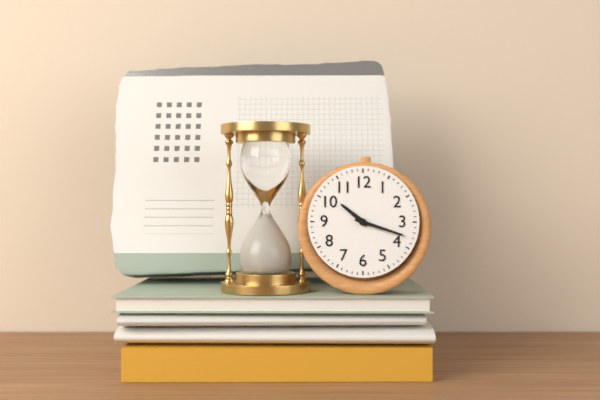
10:18
